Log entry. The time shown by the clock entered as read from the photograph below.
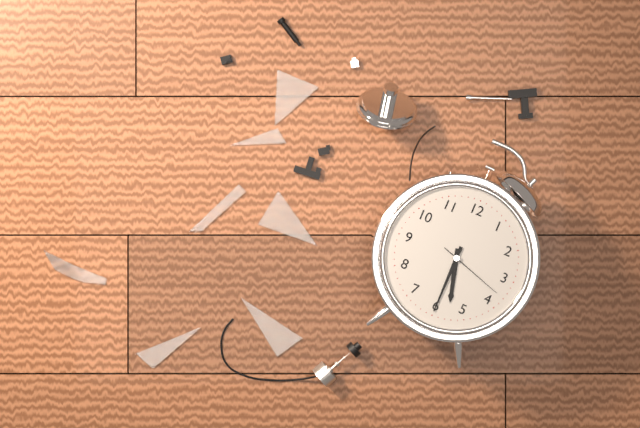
5:30:18
